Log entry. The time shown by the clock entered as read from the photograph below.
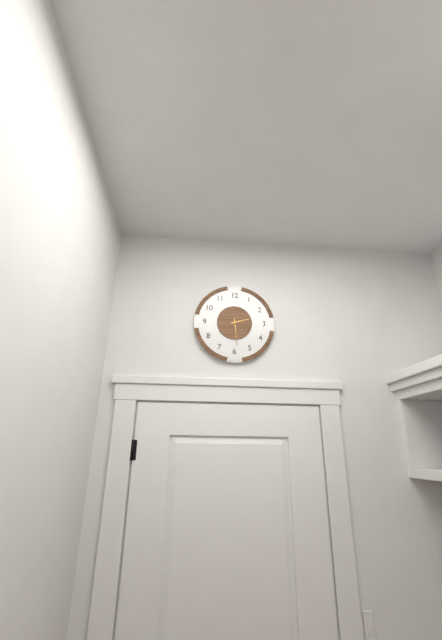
2:29
